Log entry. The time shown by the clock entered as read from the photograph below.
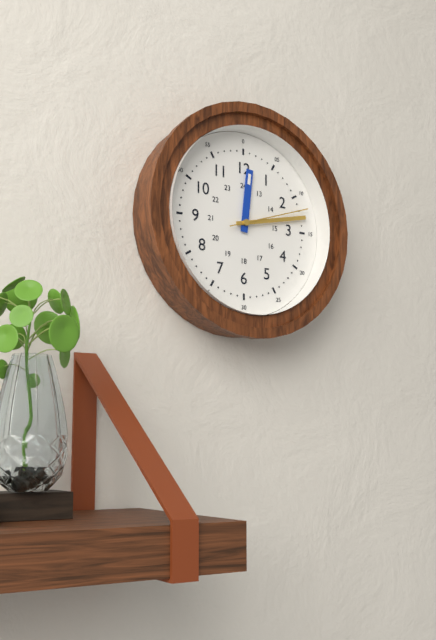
12:13:12
